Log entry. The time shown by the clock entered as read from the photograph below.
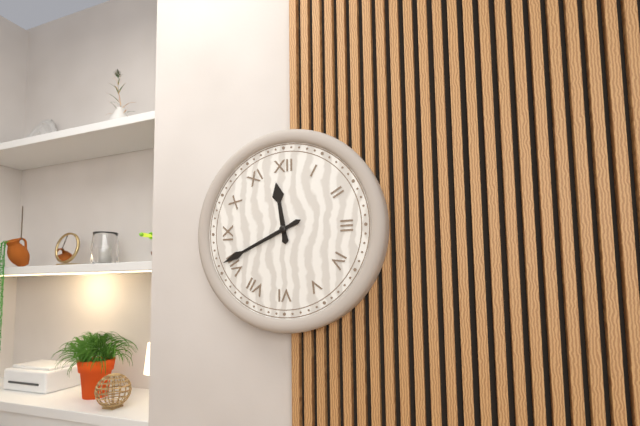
11:41
